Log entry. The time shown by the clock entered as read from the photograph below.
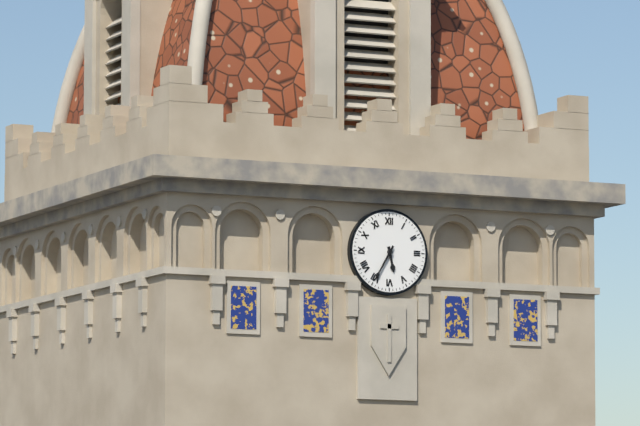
5:35
